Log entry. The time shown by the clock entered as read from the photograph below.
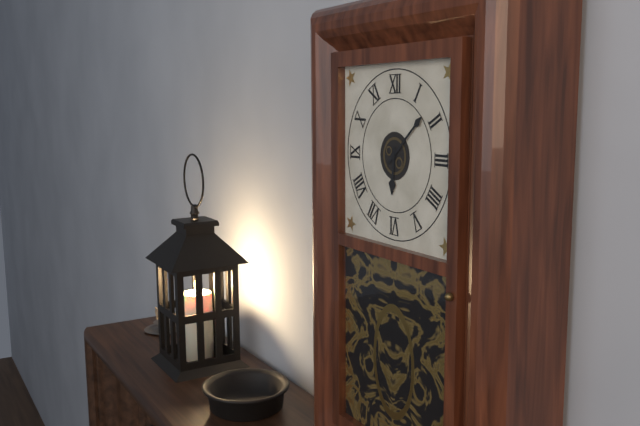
6:08
